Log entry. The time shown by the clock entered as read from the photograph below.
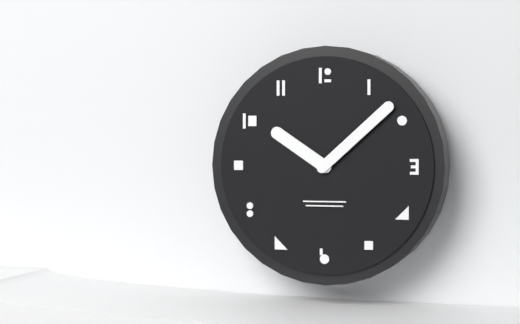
10:08
